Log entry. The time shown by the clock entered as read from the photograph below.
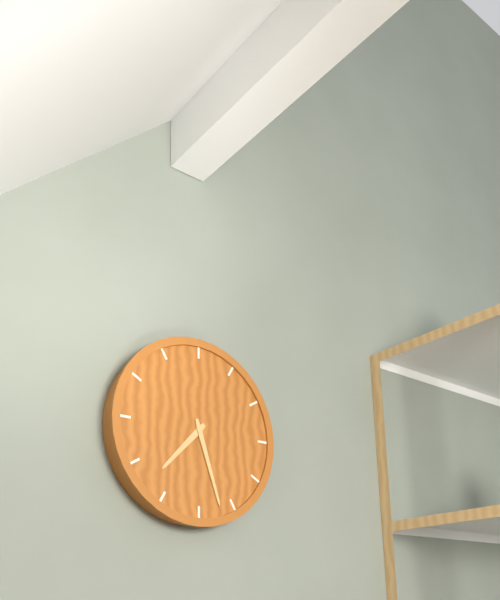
7:27
